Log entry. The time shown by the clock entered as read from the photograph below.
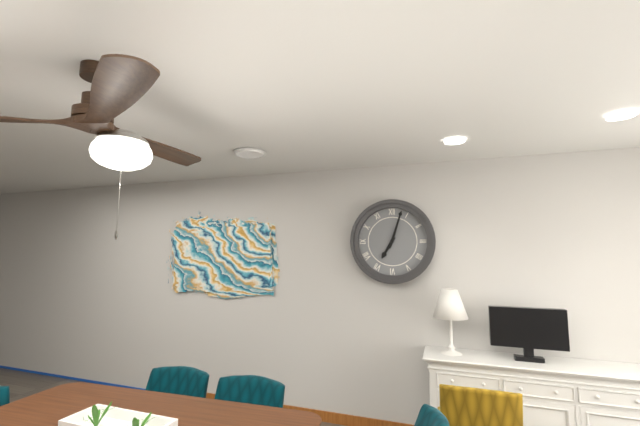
7:03
